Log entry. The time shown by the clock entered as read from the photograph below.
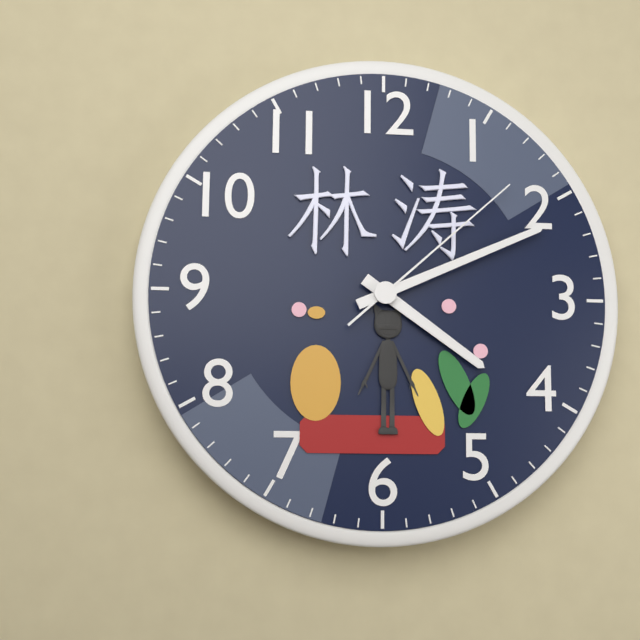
4:11:08
